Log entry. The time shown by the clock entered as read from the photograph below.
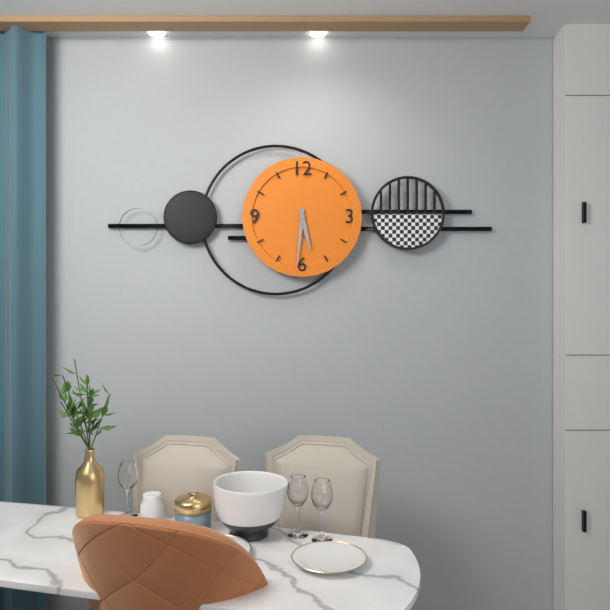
5:31
